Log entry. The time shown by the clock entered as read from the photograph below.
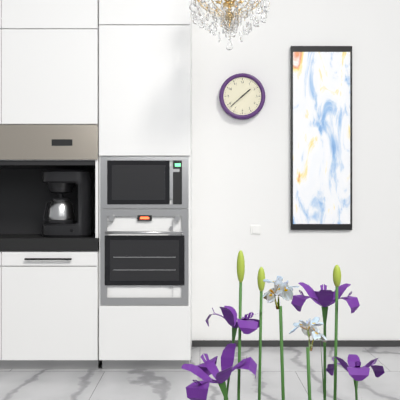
1:38
